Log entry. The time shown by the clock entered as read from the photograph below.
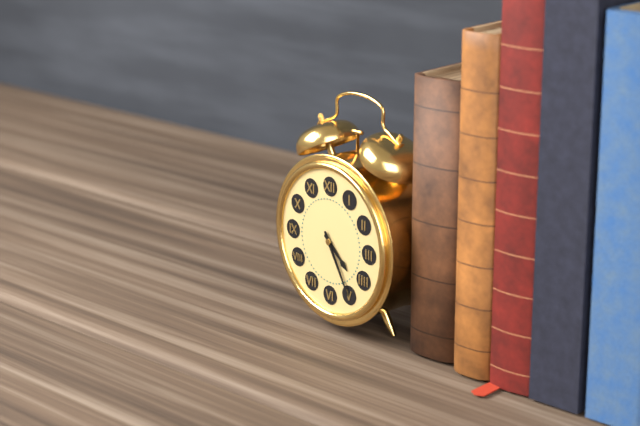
4:25
